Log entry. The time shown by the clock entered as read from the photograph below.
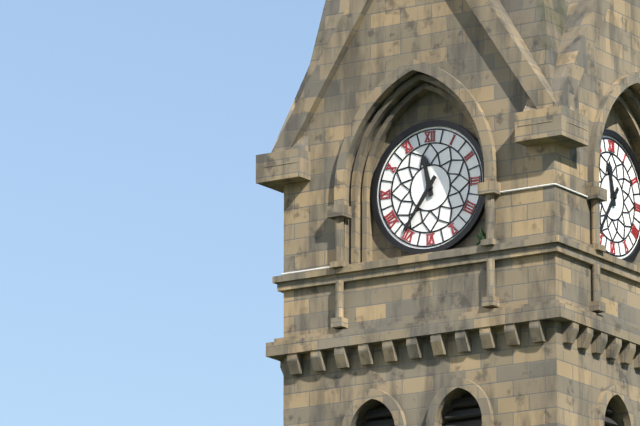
11:36
